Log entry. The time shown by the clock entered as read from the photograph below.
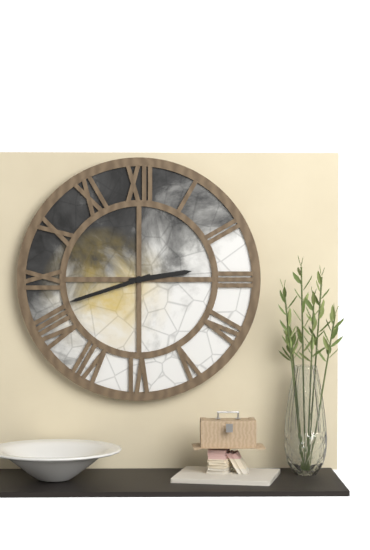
2:42
